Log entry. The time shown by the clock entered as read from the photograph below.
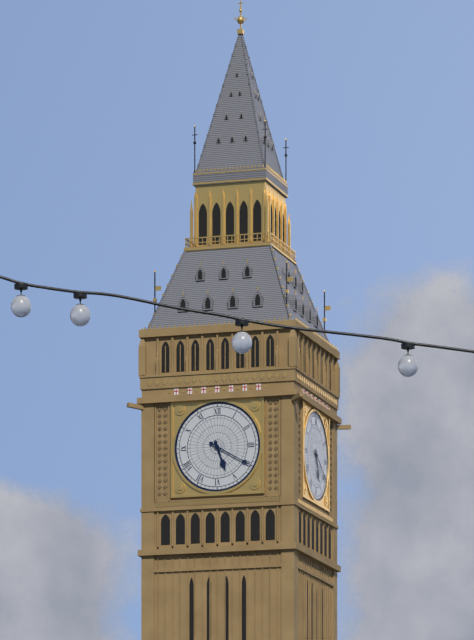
5:20
